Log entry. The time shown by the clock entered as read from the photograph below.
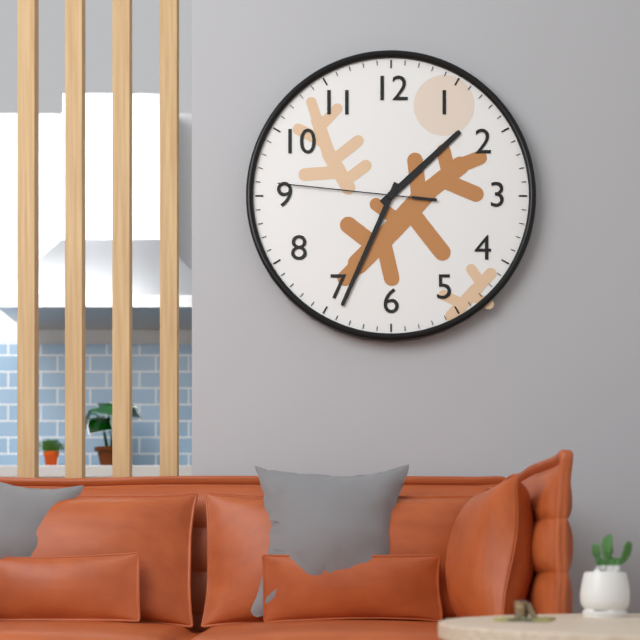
1:34:46
